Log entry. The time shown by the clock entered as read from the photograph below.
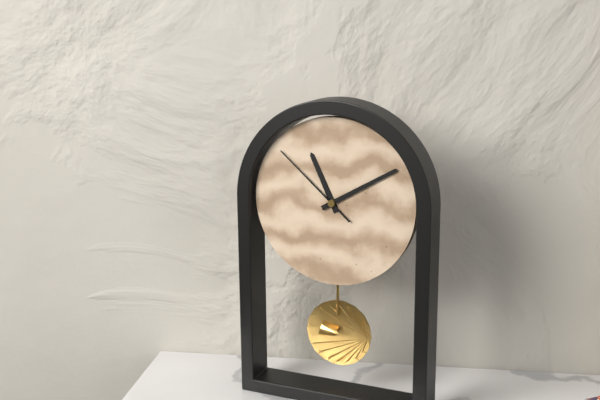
11:10:52
